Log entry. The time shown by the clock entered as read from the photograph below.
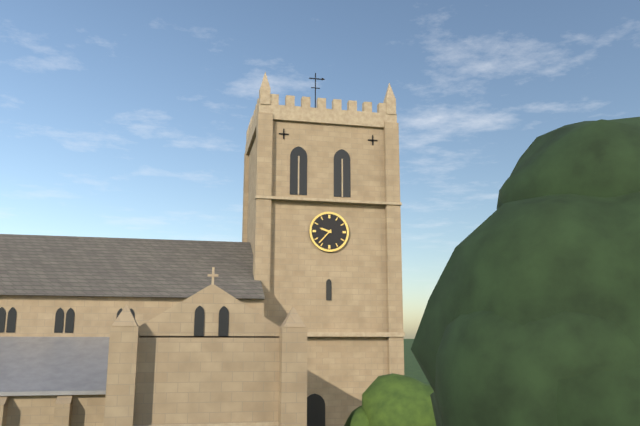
9:37
